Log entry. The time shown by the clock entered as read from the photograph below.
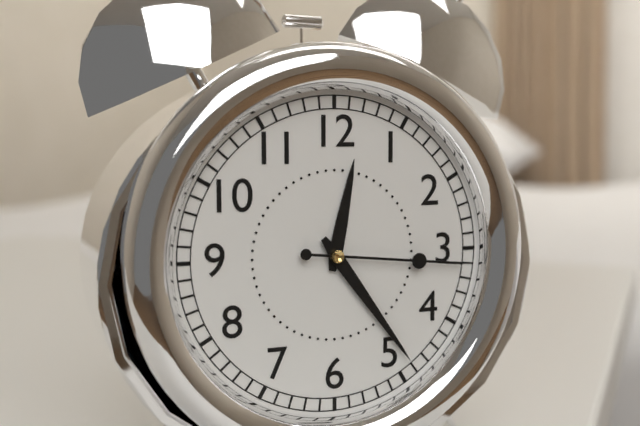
12:24:16
